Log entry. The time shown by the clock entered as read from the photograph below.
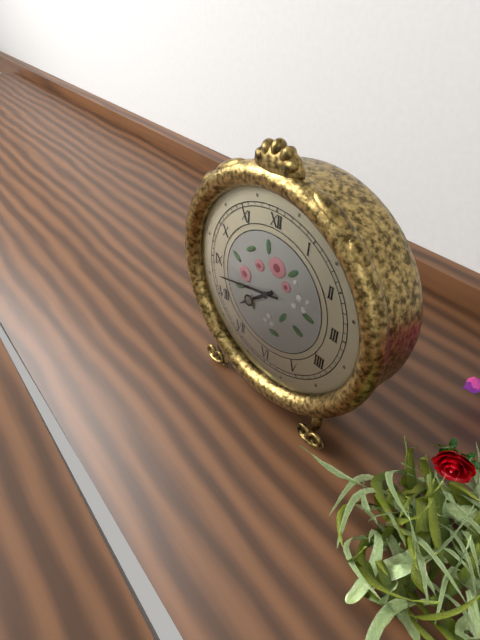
7:43
